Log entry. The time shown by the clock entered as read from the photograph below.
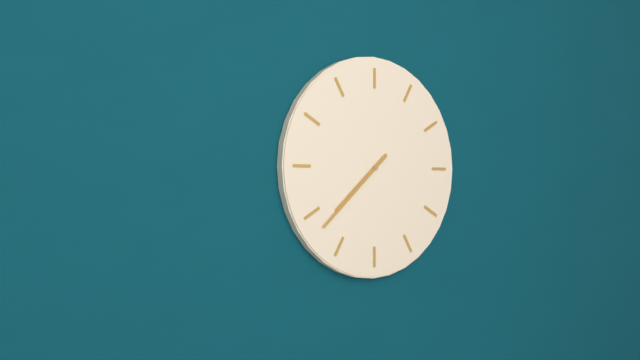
7:38
